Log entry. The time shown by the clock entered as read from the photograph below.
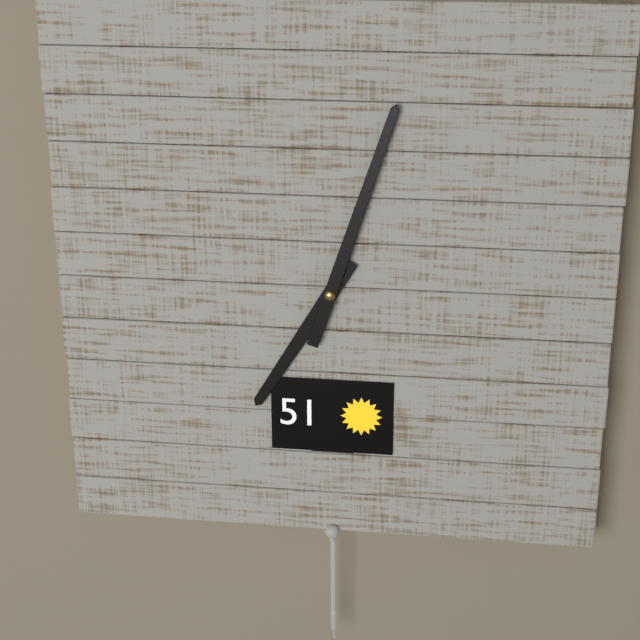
7:03
